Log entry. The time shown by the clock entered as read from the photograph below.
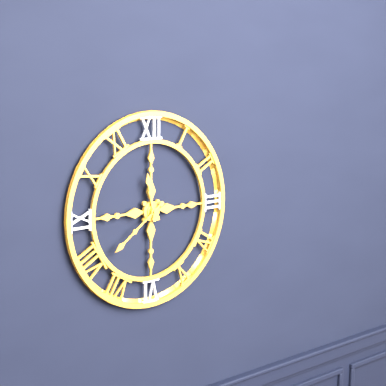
11:39
